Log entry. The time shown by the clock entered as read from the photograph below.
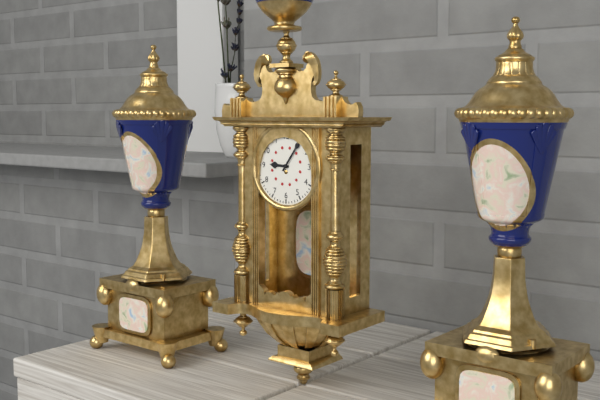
9:06
